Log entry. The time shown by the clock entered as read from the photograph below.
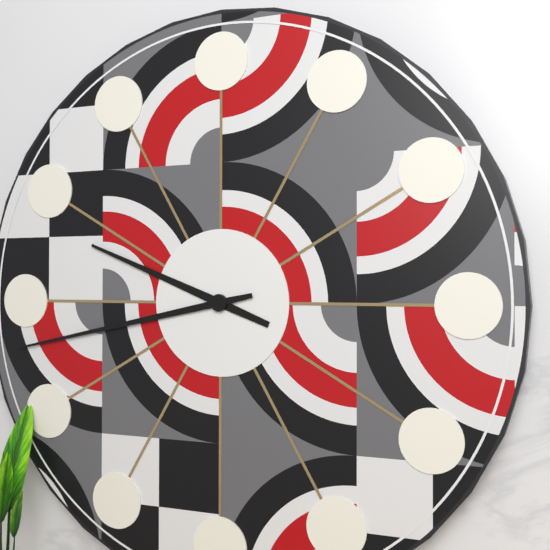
9:43
